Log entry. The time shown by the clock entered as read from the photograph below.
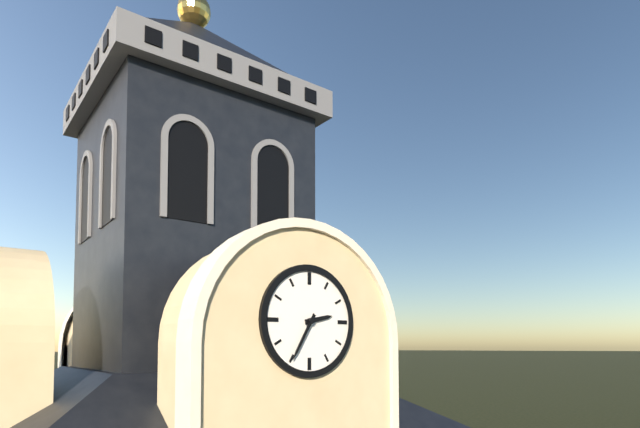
2:35
